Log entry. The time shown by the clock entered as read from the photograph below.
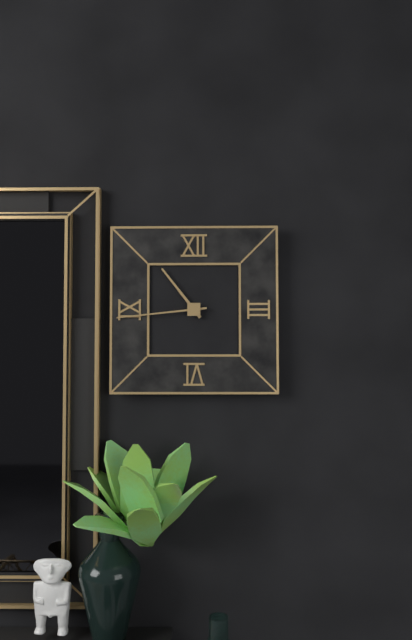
10:44
